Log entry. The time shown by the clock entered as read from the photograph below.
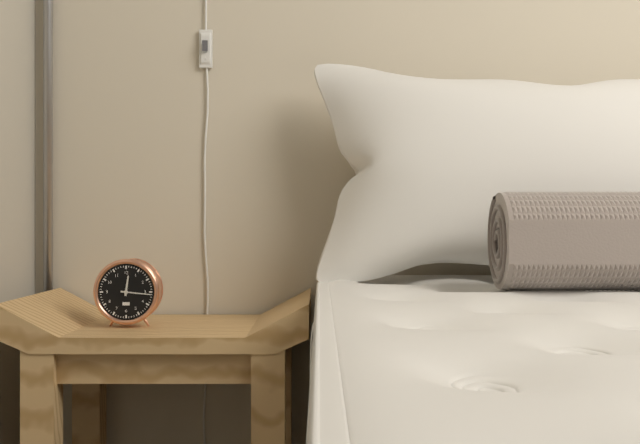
12:16
